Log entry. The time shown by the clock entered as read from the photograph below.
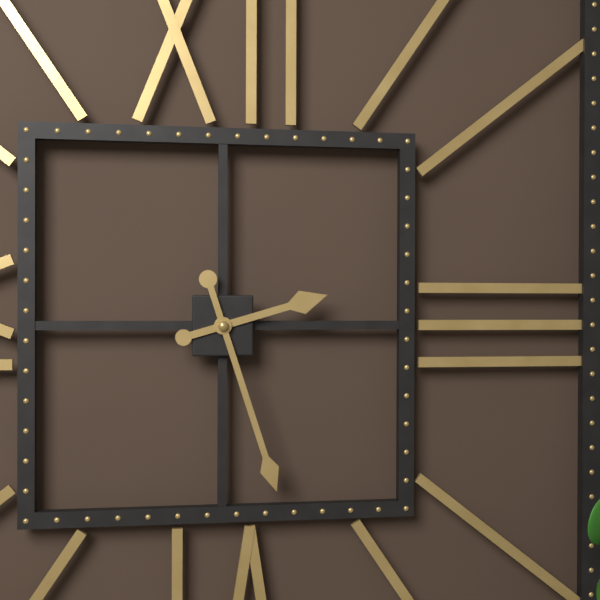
2:27
